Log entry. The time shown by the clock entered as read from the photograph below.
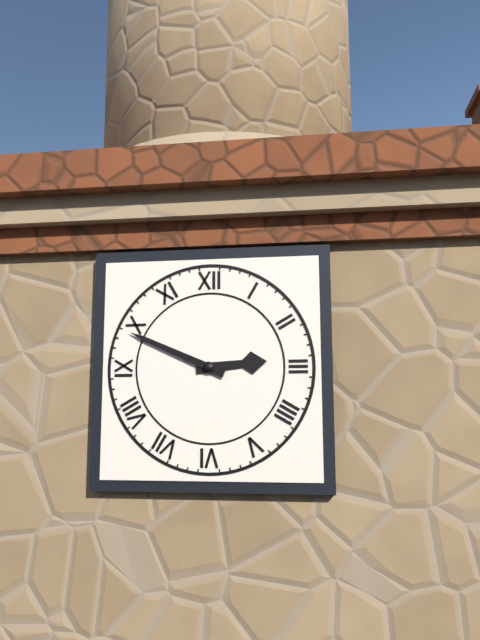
2:49
